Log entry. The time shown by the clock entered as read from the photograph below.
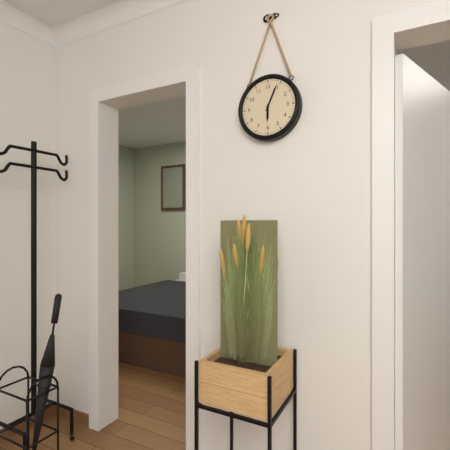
6:04
